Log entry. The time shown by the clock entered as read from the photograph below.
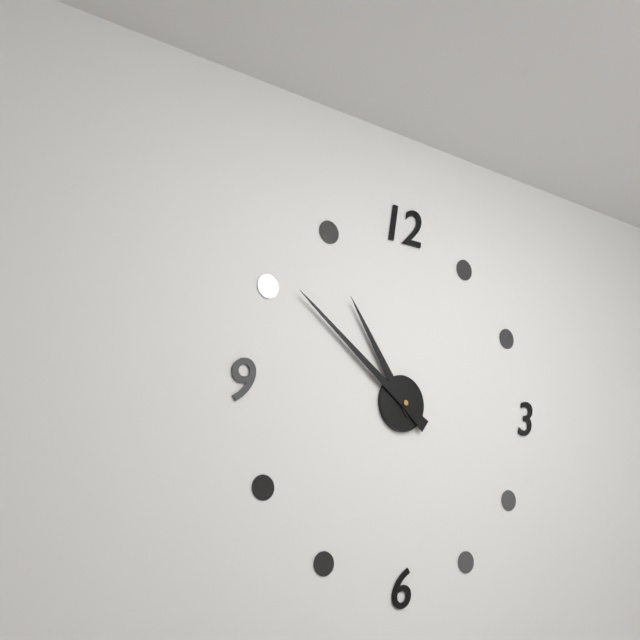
10:51
